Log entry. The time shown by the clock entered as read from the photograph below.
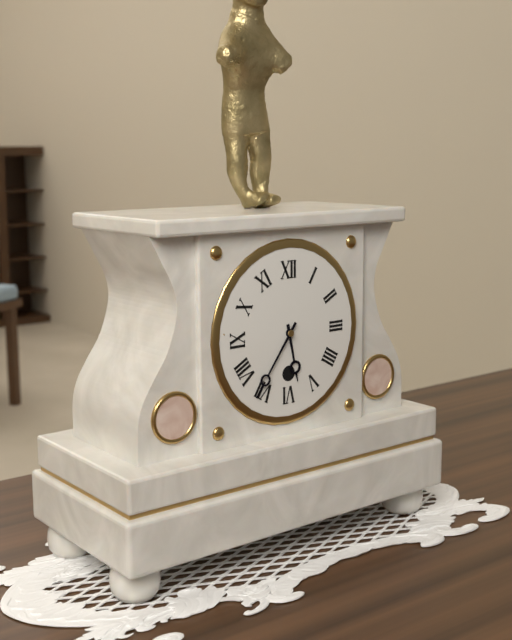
5:36
